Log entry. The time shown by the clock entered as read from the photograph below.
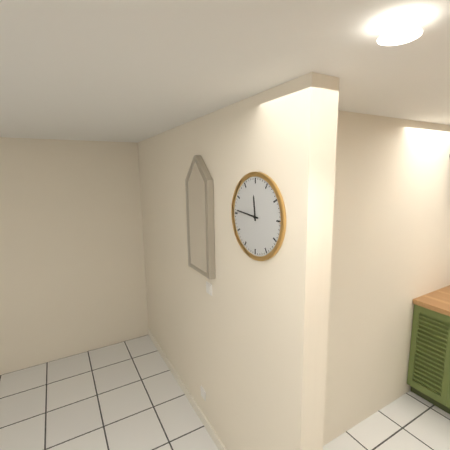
11:46
